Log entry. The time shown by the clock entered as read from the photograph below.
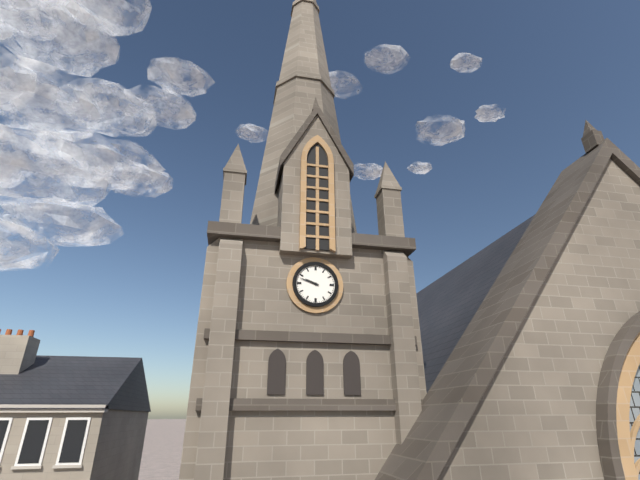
9:48
